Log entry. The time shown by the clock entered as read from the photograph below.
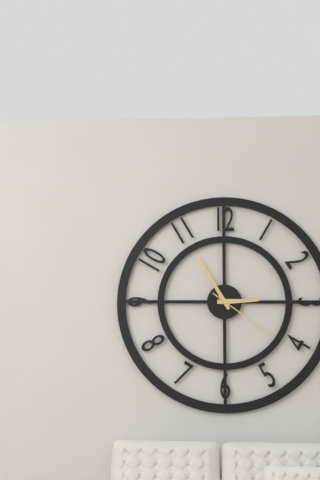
2:55:21
